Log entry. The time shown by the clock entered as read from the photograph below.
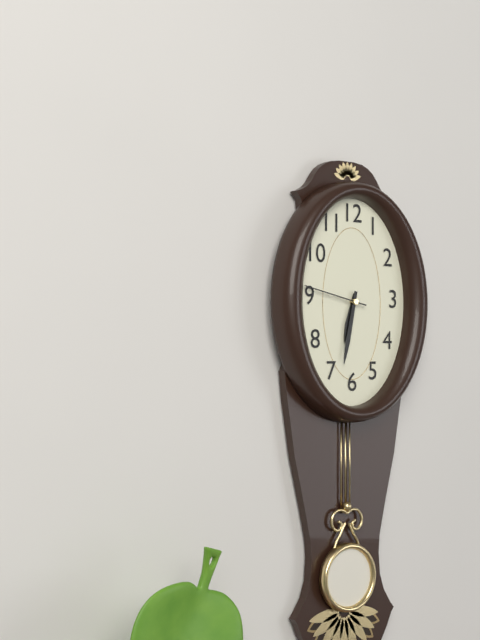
6:32:47
